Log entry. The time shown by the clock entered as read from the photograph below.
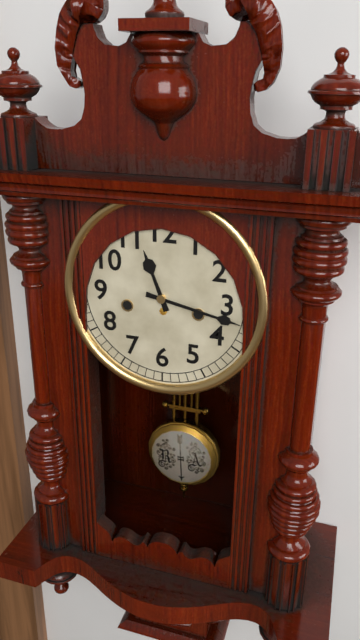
11:17
